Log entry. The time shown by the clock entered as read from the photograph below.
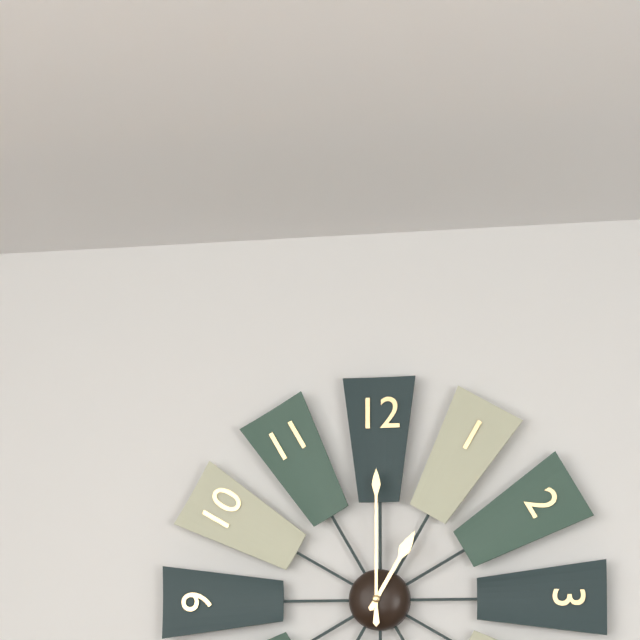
1:00
